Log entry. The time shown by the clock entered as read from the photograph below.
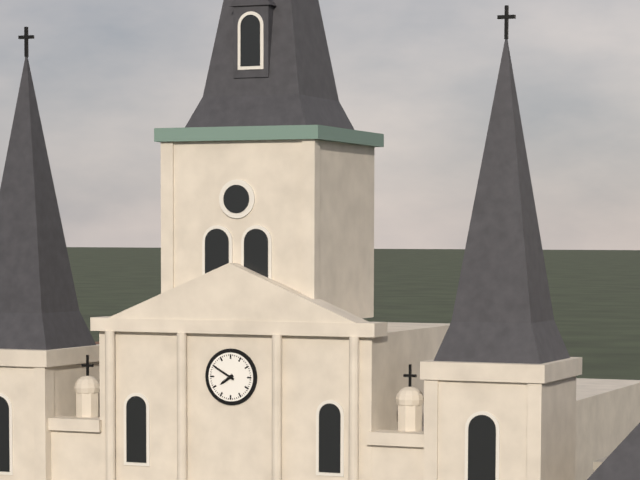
7:50
